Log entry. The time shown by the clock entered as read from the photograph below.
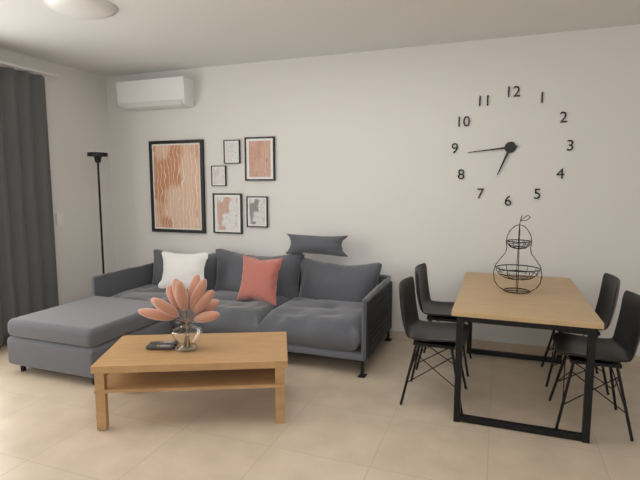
6:44
